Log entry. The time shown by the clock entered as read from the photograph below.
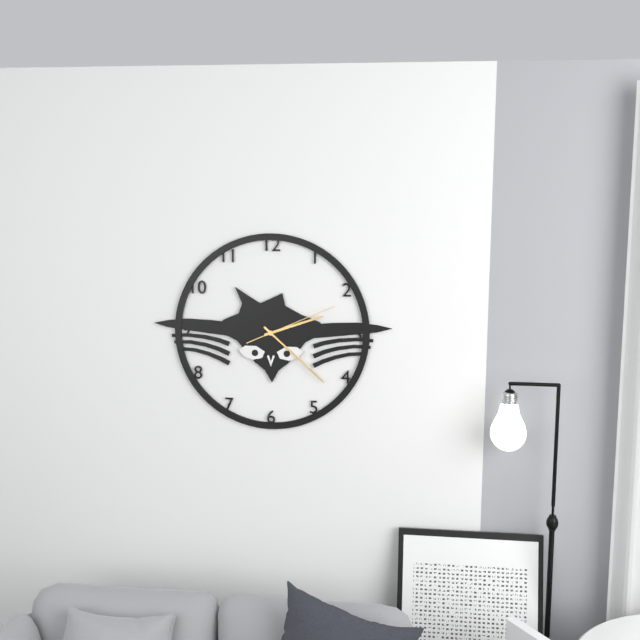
2:22:11
